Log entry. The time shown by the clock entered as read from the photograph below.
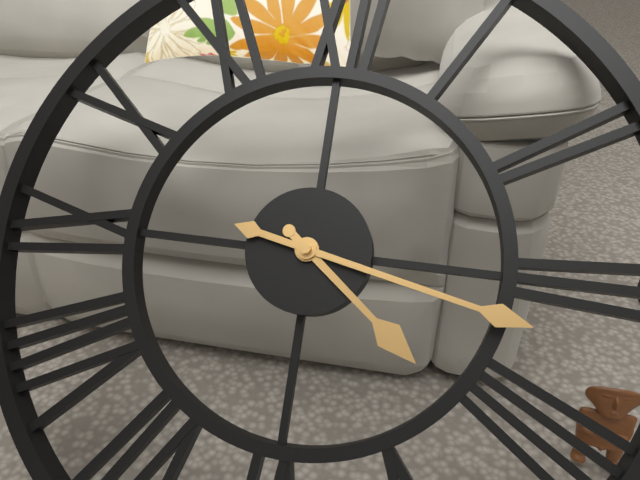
4:17
